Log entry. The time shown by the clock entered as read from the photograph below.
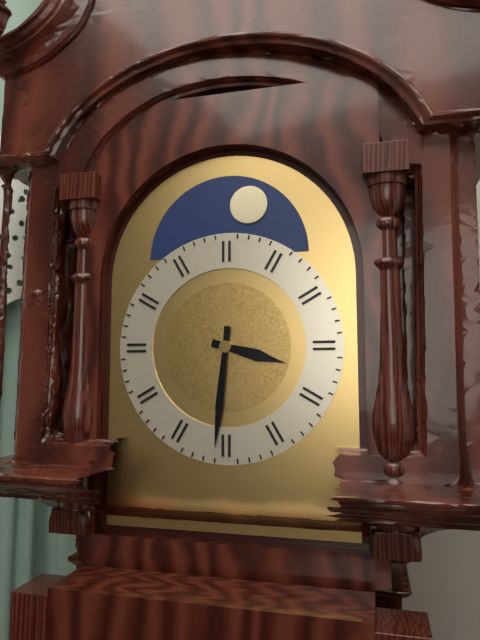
3:31
